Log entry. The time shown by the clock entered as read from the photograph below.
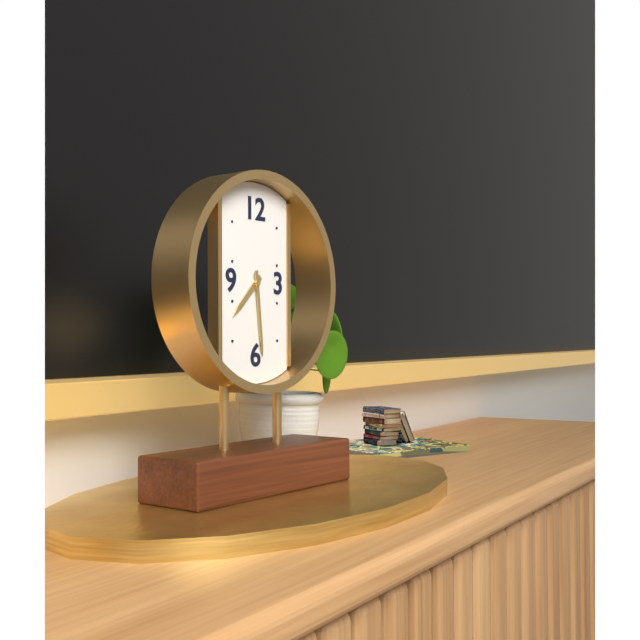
7:29
